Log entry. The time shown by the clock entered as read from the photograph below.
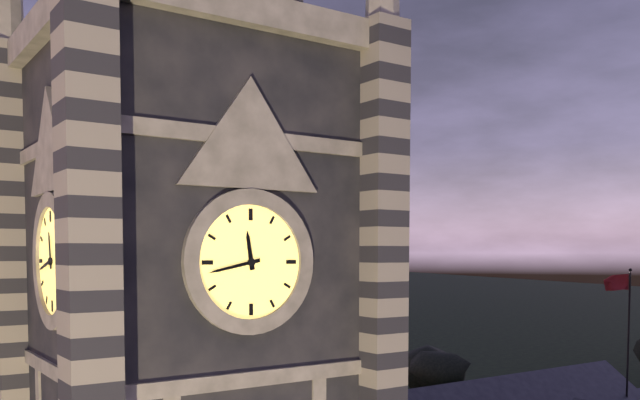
11:43
